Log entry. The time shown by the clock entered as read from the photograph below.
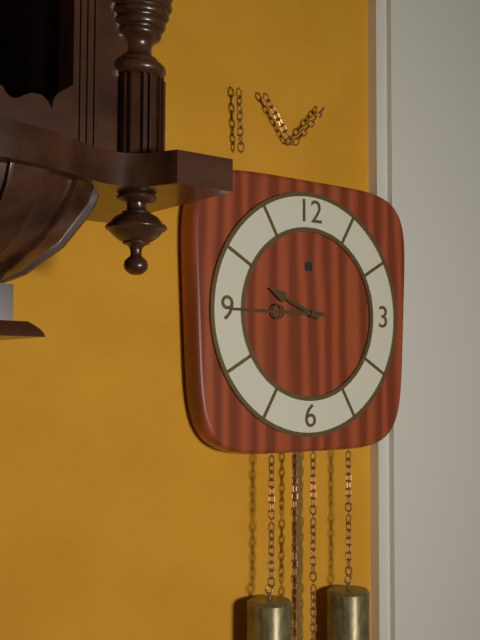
9:45
